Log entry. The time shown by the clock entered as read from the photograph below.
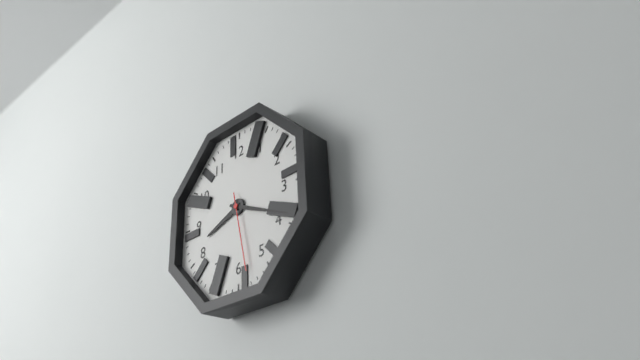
8:19:28
